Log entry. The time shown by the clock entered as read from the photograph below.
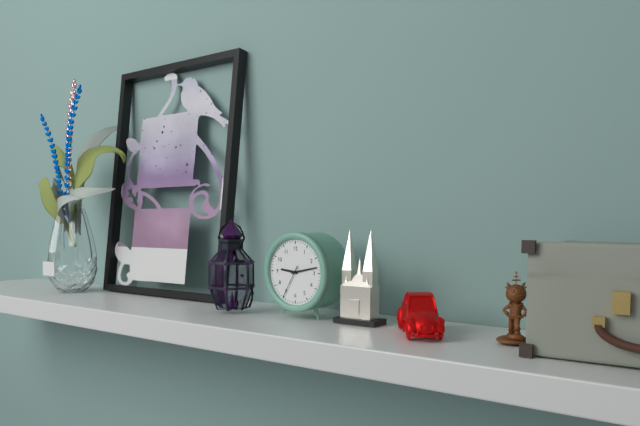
9:13
